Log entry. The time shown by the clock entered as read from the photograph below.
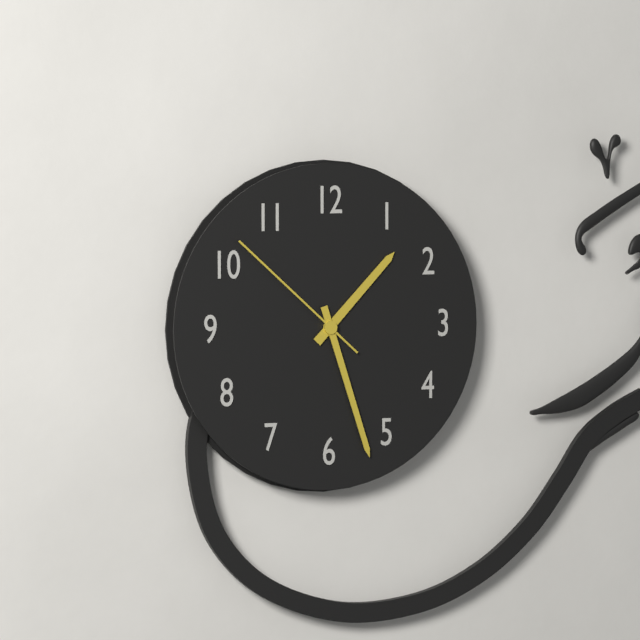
1:27:52
